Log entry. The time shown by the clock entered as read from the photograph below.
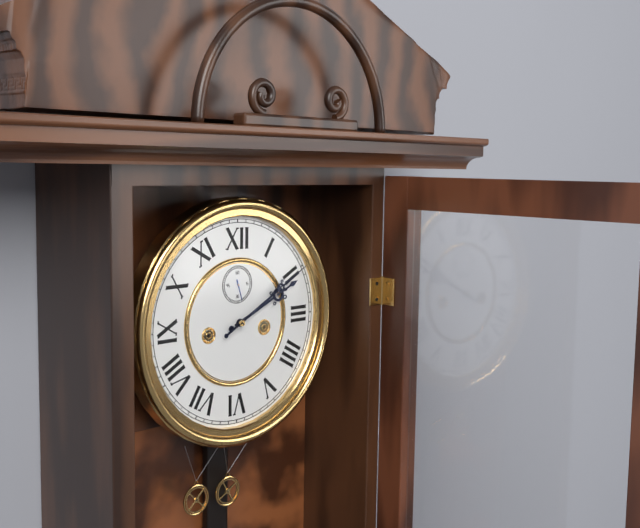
2:10
